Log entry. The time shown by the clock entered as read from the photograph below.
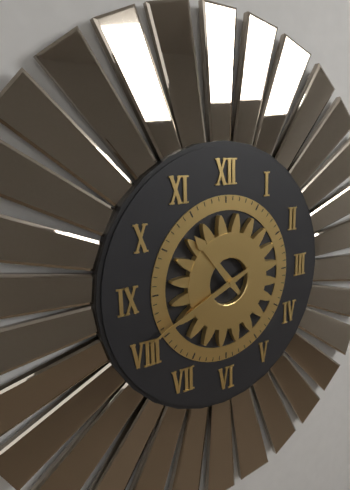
10:41
